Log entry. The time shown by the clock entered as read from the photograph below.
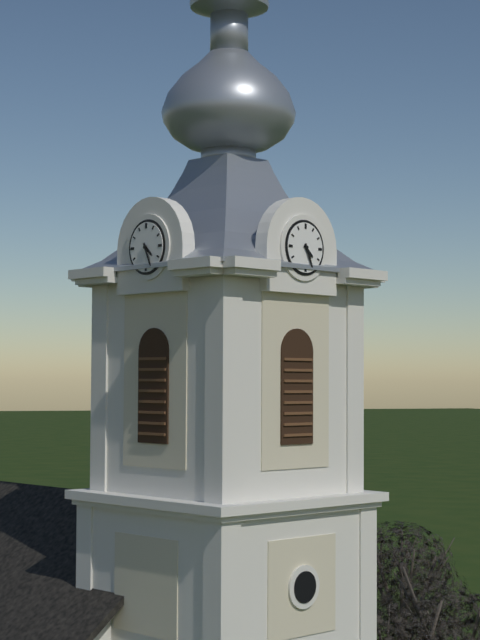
4:26
